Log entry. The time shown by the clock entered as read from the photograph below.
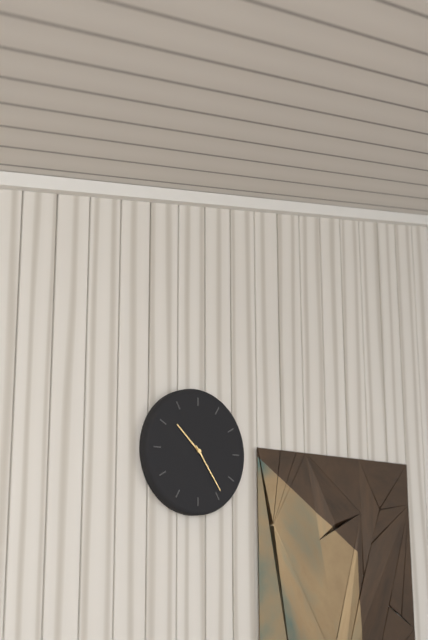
10:24
